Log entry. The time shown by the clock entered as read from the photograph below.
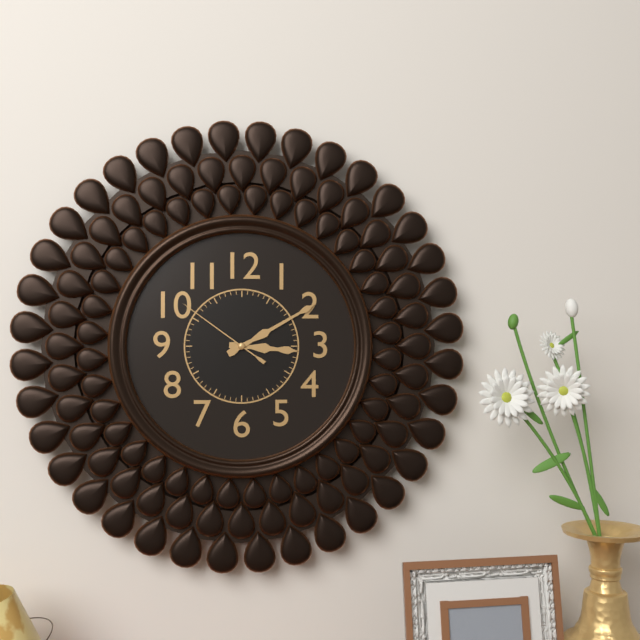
3:10:51
